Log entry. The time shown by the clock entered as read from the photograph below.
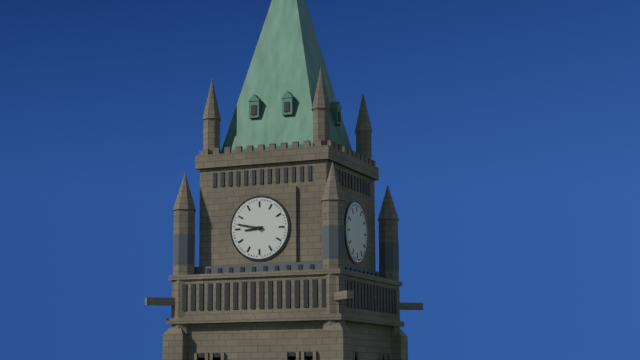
8:47
